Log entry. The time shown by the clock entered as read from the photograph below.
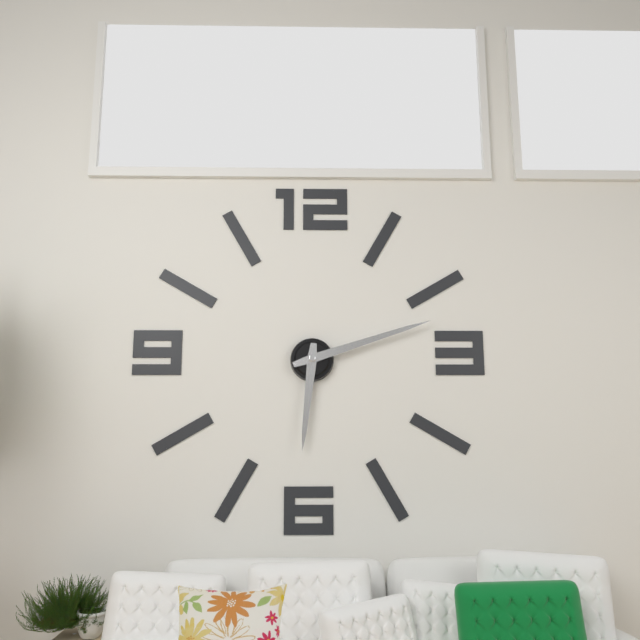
6:12
